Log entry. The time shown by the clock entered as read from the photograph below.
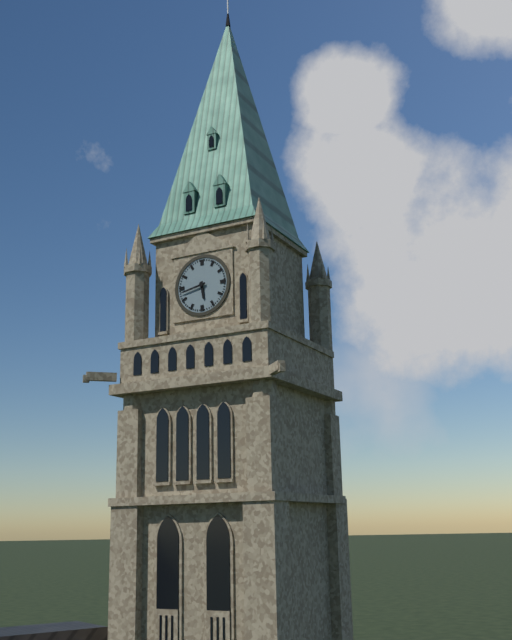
5:43
